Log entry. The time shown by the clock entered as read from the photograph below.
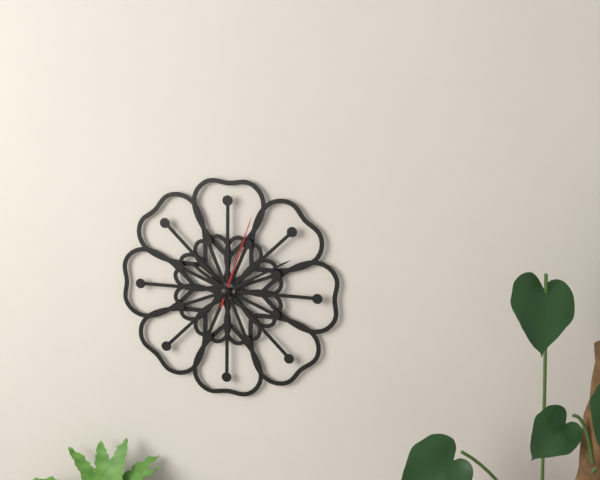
10:10:03
